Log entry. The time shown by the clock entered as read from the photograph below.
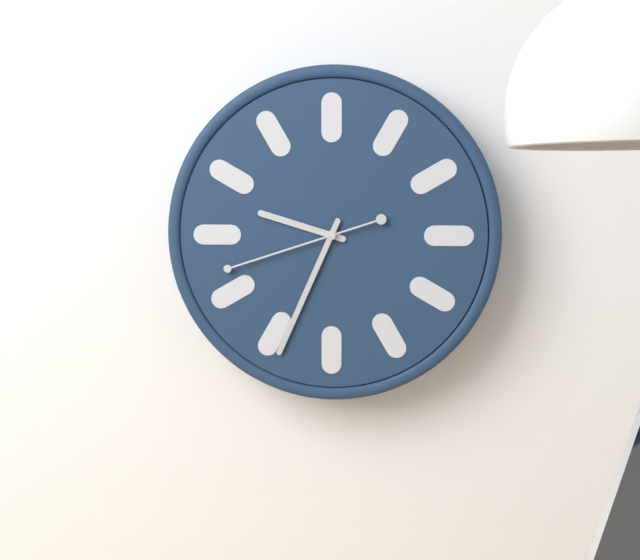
9:34:42
